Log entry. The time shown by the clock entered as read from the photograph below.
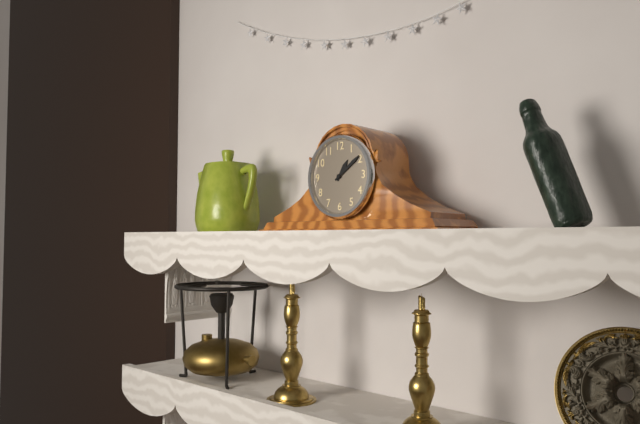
1:09
